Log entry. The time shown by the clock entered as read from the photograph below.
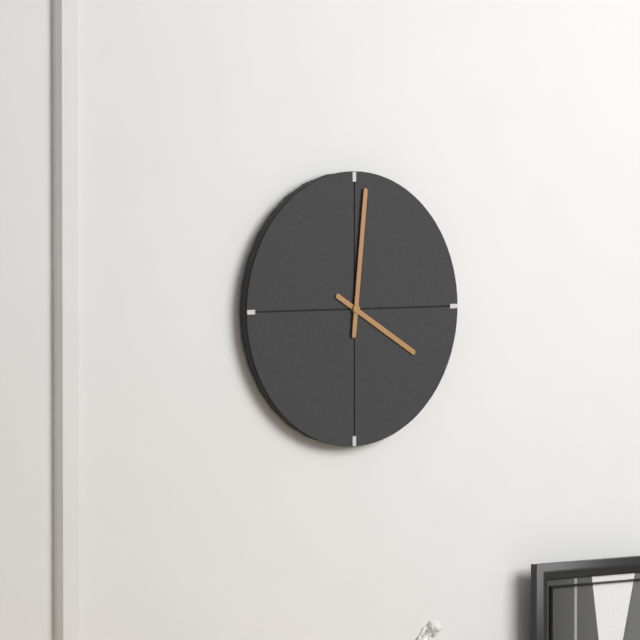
4:01
